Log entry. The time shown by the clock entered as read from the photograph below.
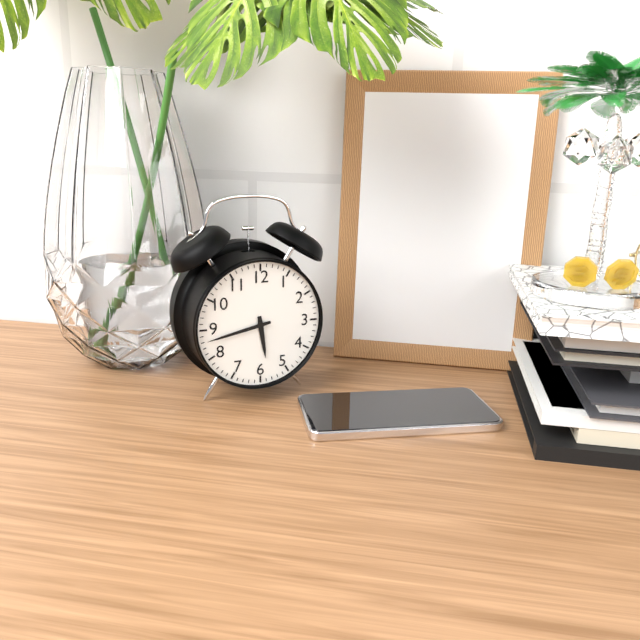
5:43
